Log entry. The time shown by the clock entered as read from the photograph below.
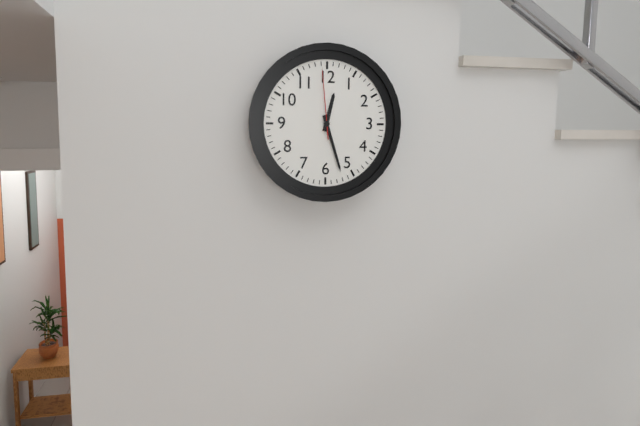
12:27:59
